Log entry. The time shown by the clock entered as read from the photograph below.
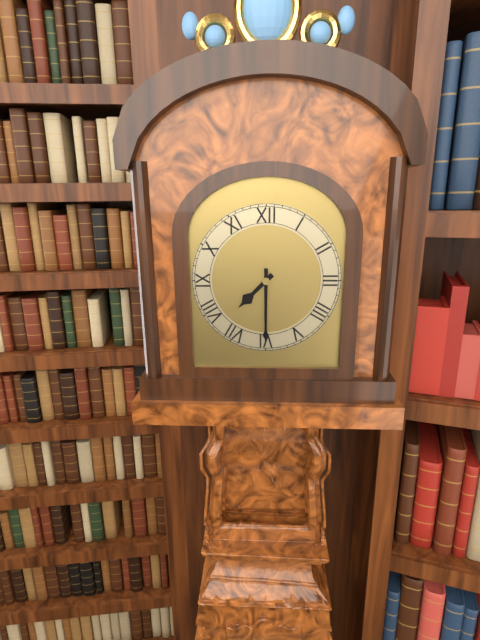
7:30
